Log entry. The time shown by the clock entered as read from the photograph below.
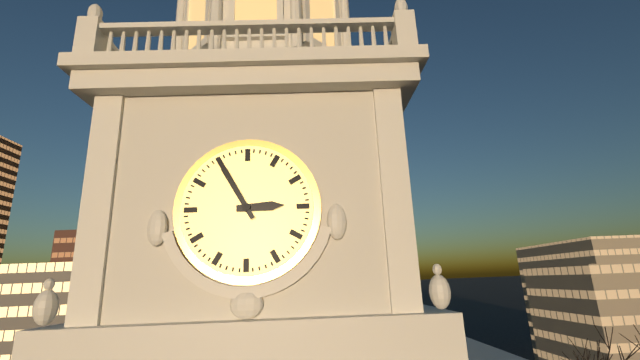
2:55
